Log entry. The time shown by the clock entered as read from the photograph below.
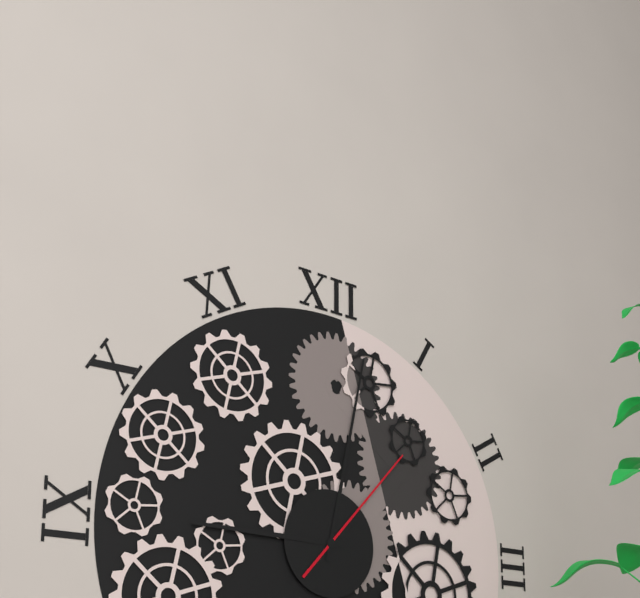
9:02:07
